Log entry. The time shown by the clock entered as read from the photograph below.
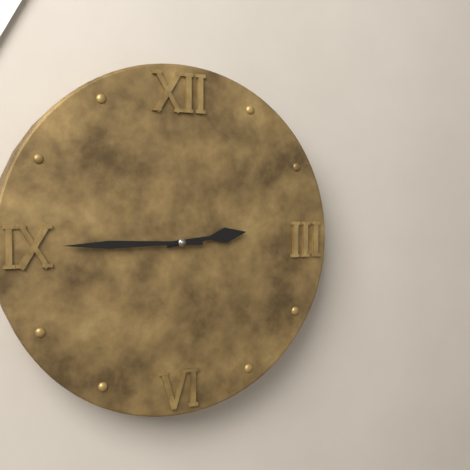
2:45
